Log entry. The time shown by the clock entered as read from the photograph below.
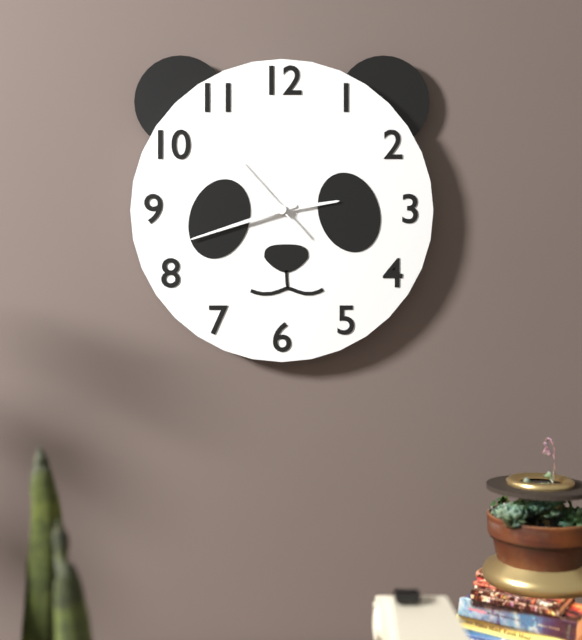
2:42:53
